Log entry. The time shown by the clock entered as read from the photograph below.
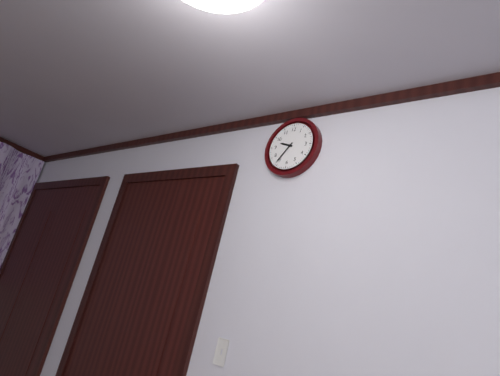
9:36
